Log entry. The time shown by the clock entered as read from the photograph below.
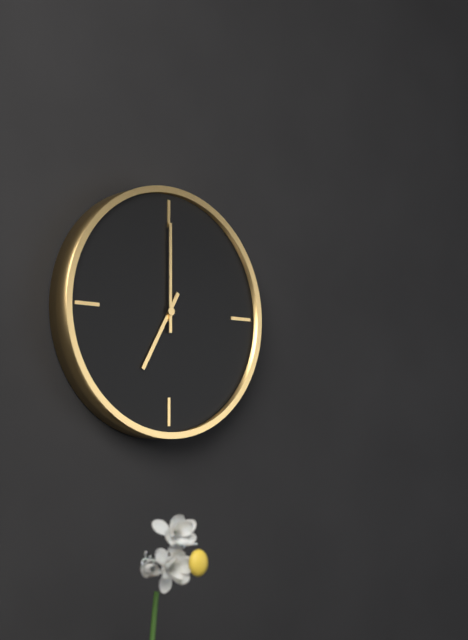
7:00
